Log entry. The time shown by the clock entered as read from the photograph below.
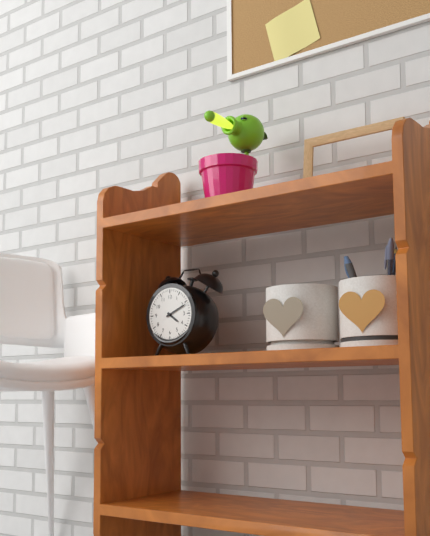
4:11
